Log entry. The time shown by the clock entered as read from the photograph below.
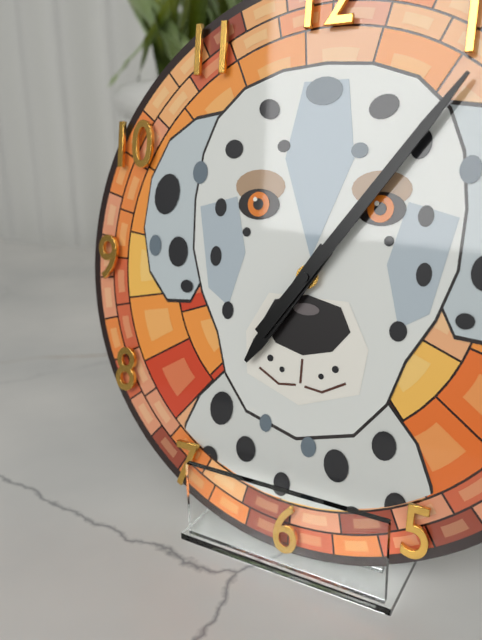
7:06
